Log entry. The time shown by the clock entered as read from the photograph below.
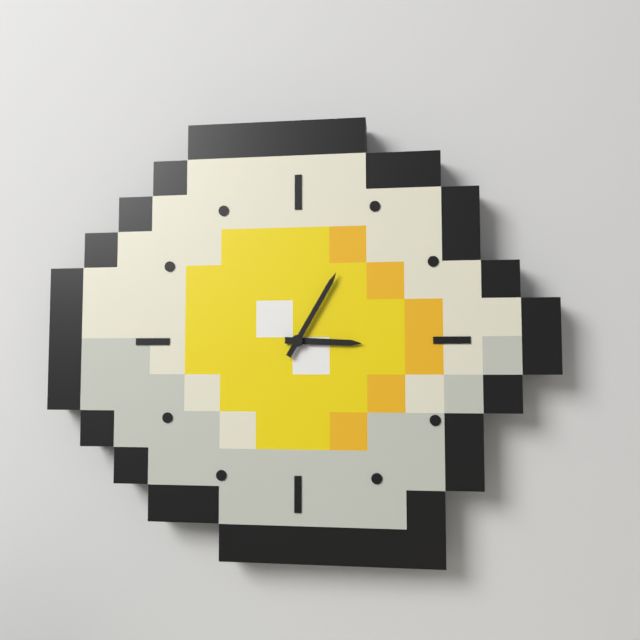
3:05
